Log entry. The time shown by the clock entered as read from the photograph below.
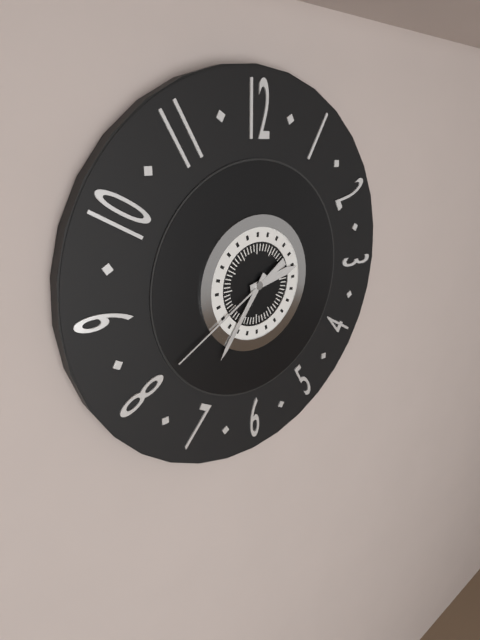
2:36:40
